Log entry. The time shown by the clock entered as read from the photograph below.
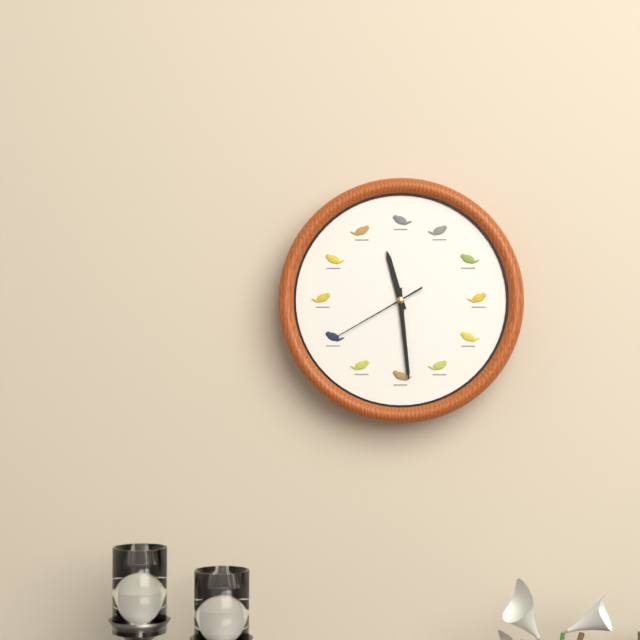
11:29:40
